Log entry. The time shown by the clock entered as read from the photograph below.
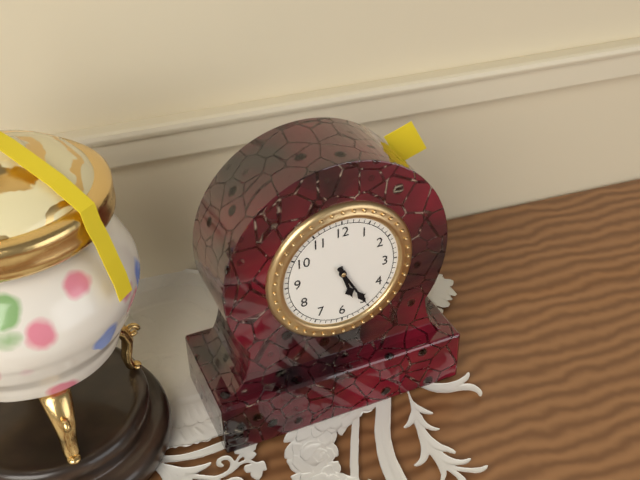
5:25
